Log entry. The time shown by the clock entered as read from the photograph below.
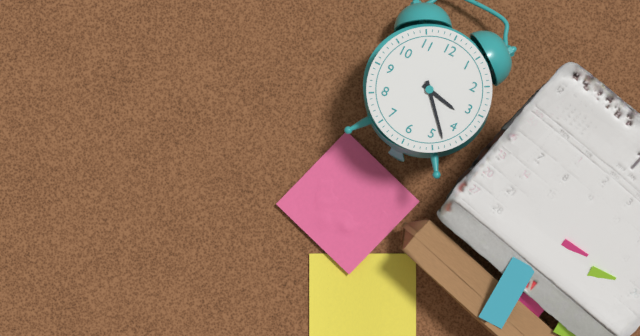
3:23
